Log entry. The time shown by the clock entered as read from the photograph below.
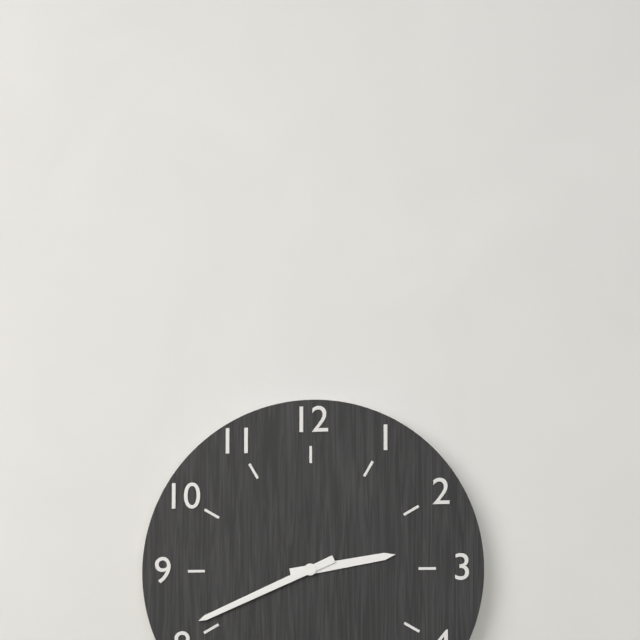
2:41
